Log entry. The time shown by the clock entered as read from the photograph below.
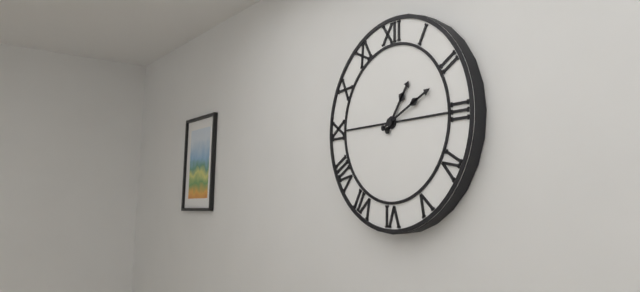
1:11
